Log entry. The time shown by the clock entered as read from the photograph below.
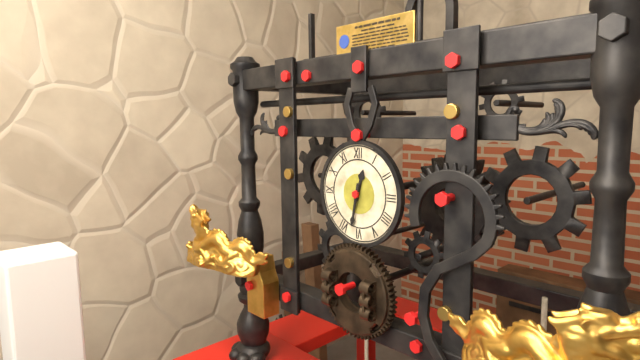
12:32
